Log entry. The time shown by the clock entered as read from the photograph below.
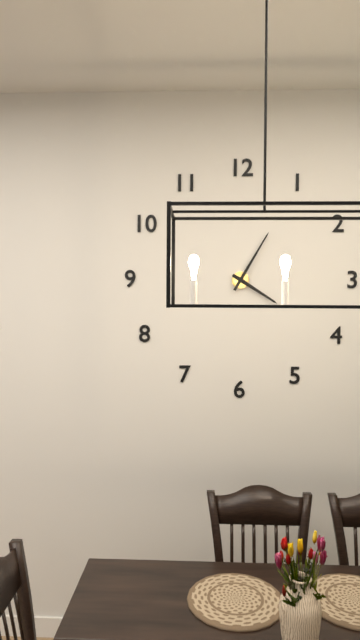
4:05
